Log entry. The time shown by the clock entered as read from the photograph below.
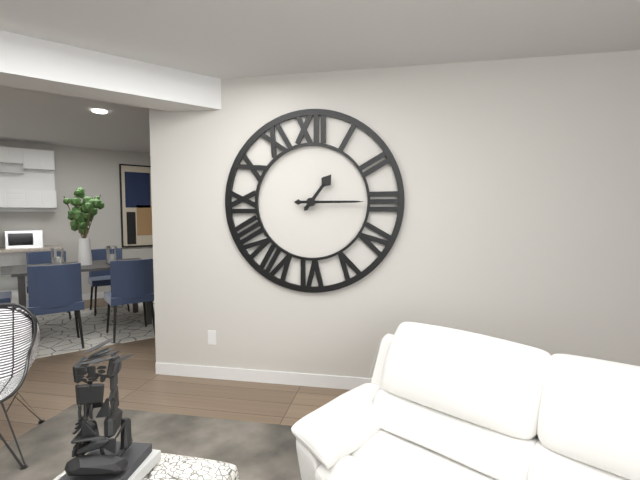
1:15
